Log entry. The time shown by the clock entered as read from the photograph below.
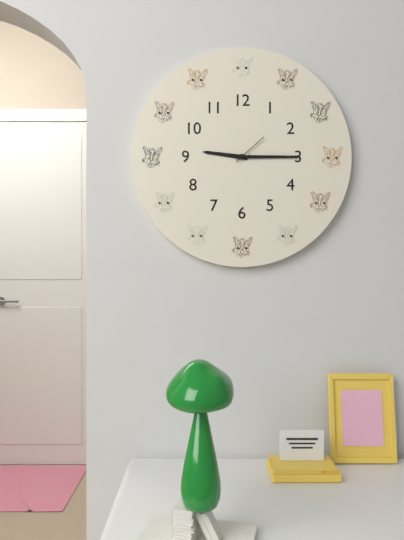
9:15
